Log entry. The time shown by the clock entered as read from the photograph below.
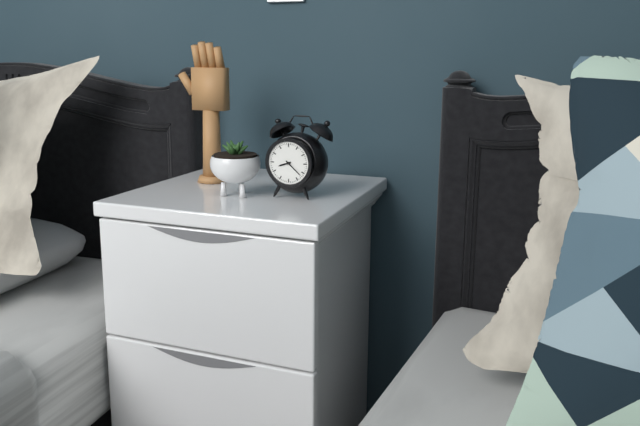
8:22
